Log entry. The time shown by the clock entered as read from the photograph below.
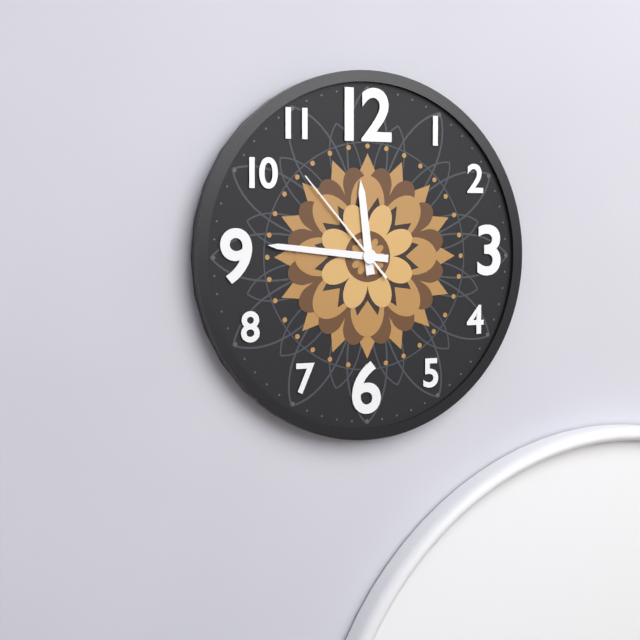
11:46:53
